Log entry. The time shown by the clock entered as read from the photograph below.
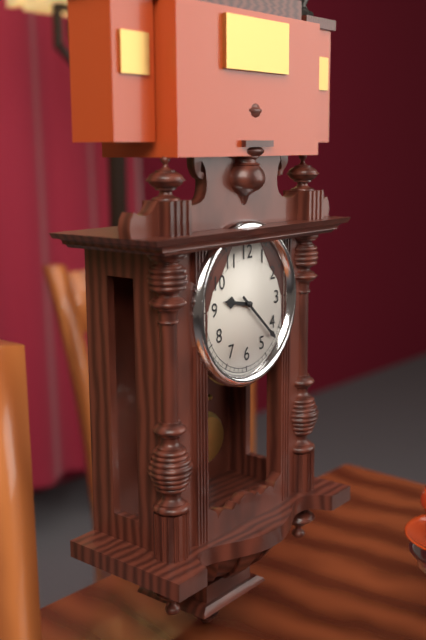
9:22
